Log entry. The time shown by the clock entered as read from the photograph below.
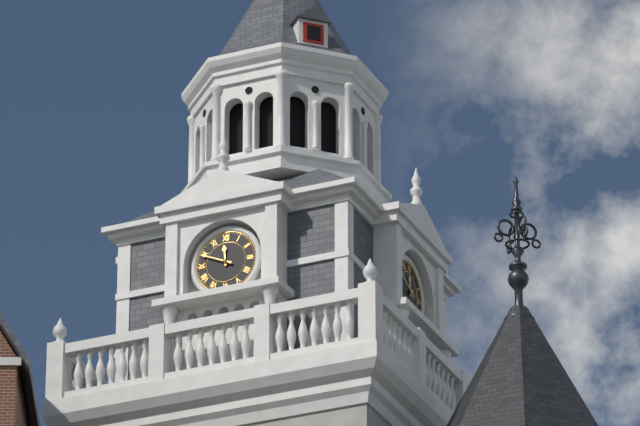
11:49
